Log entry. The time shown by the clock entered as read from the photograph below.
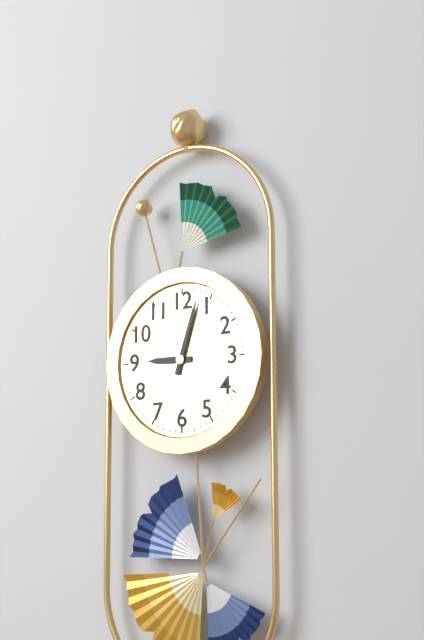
9:03
